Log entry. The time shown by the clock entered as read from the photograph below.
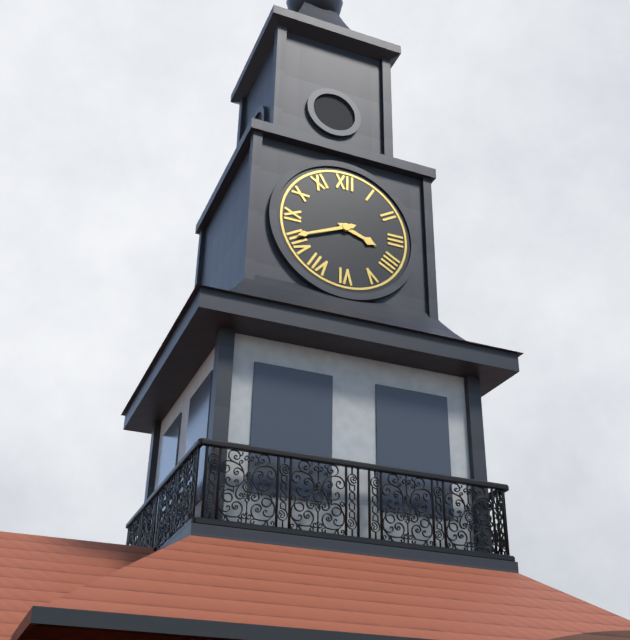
3:41
